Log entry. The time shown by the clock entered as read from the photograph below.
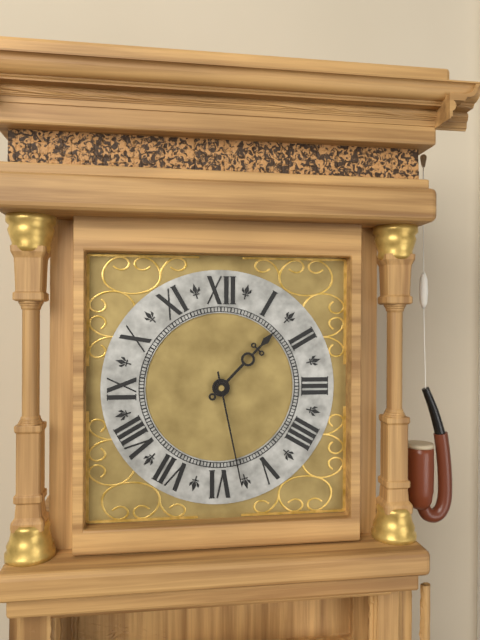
1:28
